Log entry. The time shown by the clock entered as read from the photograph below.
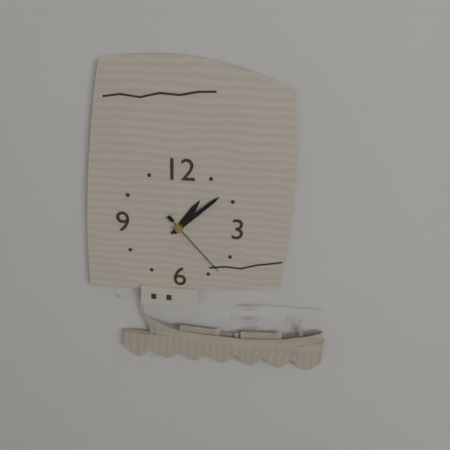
1:08:23
